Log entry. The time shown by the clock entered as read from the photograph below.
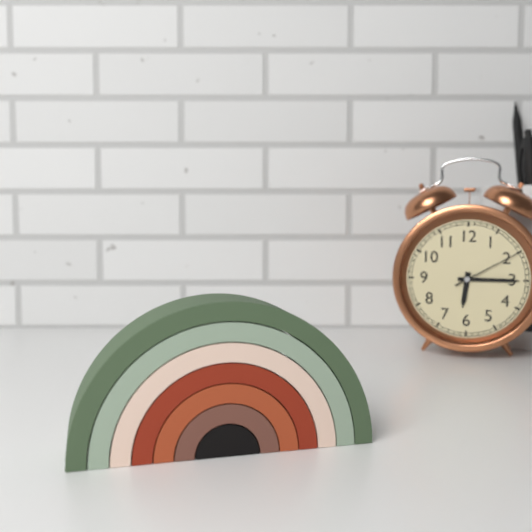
6:15:10
